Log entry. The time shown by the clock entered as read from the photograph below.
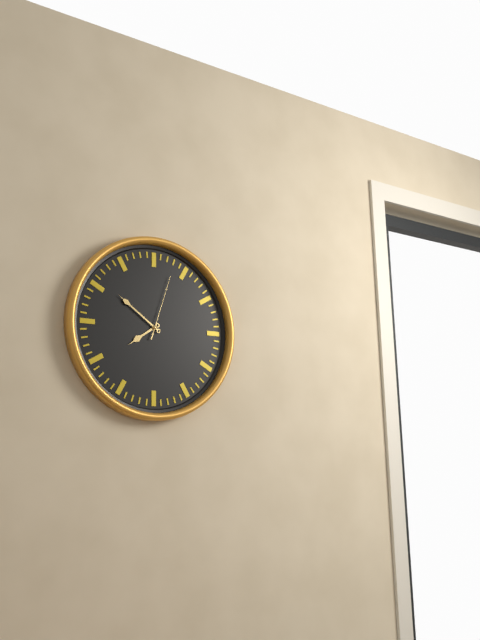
7:51:03
